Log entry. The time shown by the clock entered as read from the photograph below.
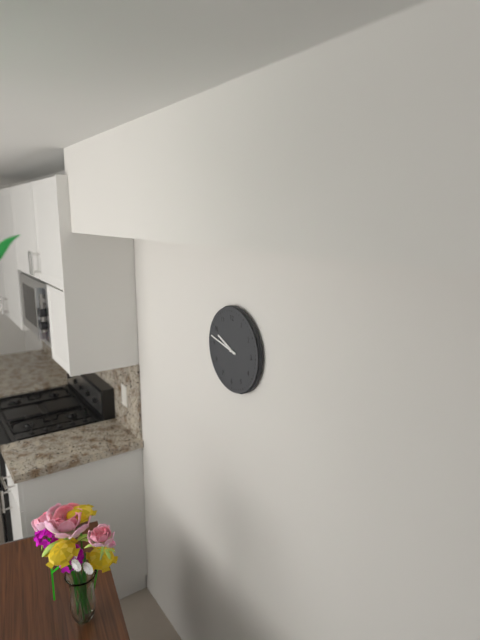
9:47
